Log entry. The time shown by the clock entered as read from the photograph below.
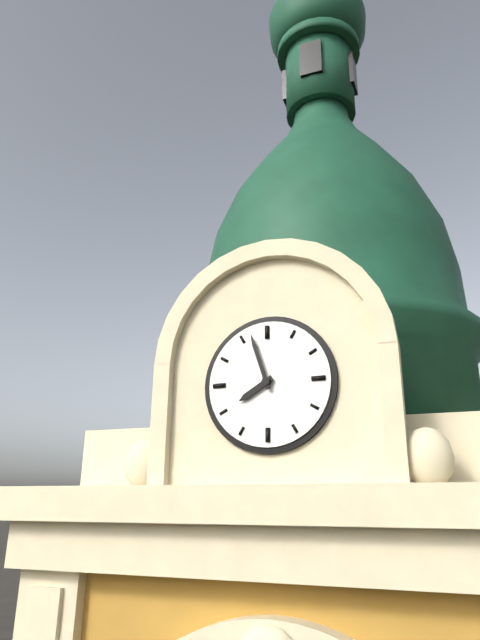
7:57
